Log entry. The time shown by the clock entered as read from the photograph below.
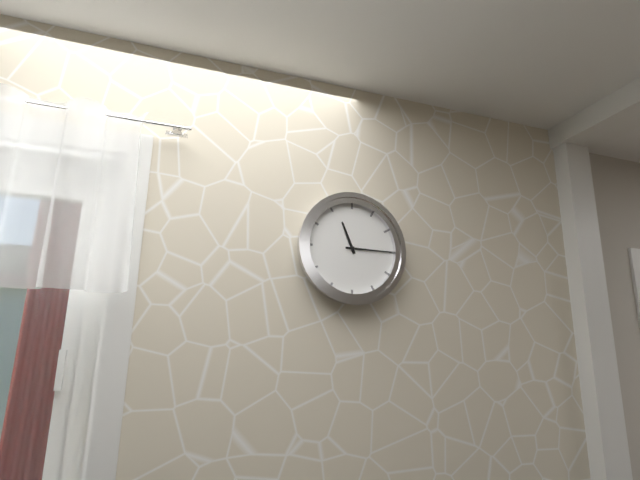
11:15
